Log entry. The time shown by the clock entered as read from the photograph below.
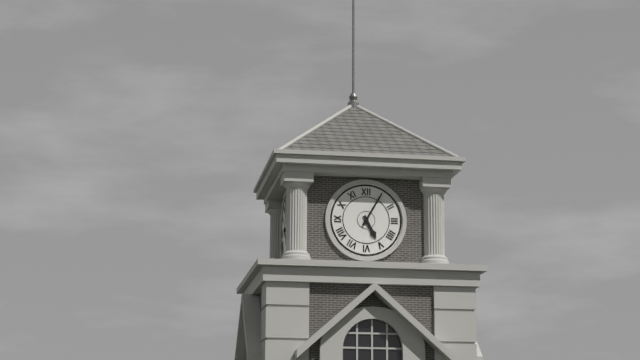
5:05
